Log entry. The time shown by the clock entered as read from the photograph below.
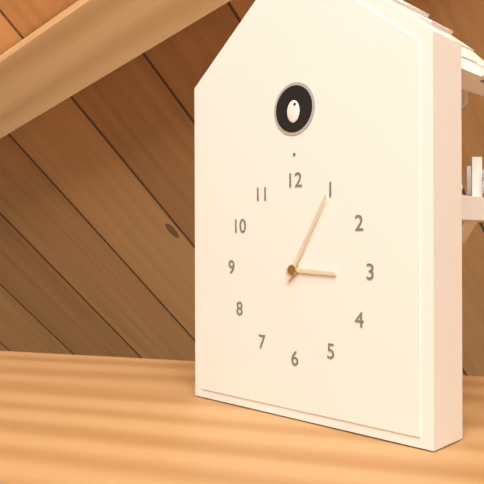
3:05
